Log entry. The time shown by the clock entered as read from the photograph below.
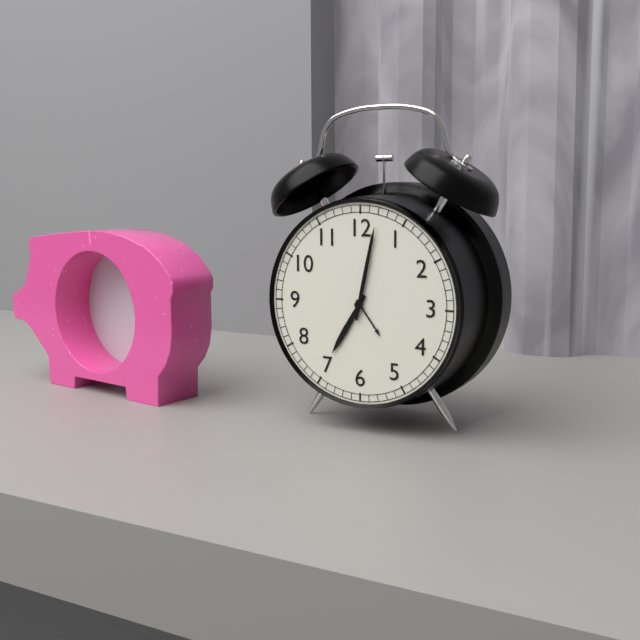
7:02
